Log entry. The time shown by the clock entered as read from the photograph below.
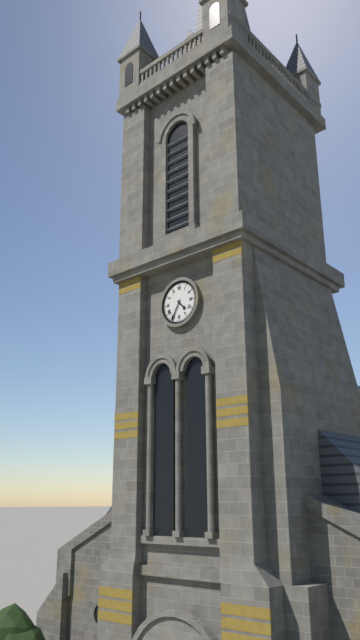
4:35
